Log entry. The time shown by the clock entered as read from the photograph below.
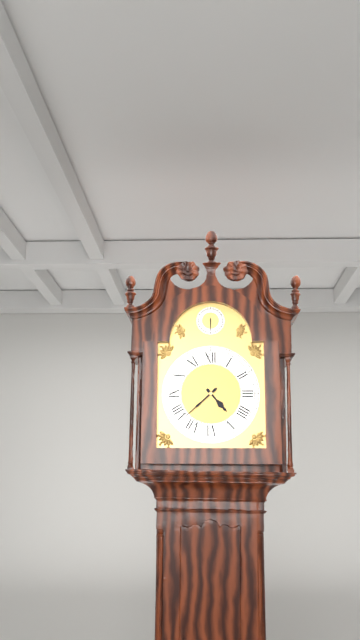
4:38
